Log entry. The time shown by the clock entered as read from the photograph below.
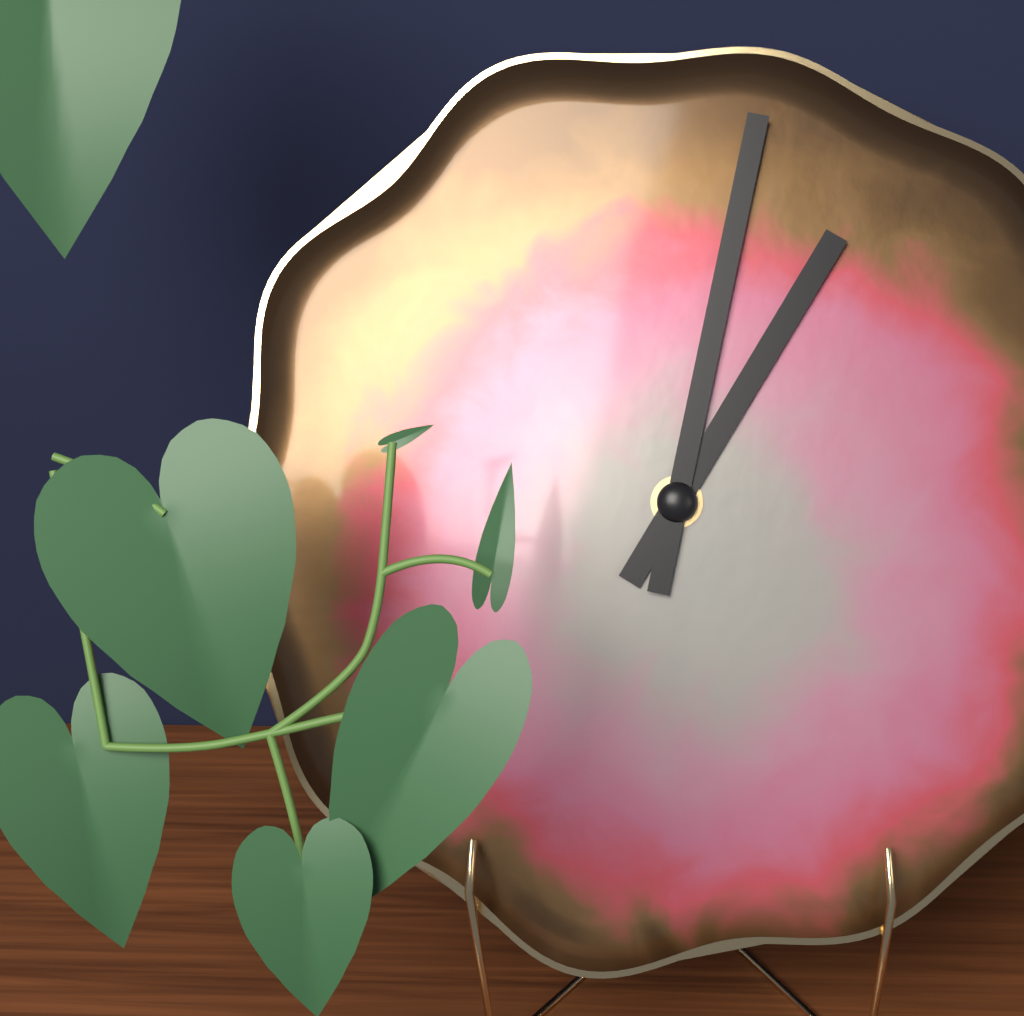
1:02
